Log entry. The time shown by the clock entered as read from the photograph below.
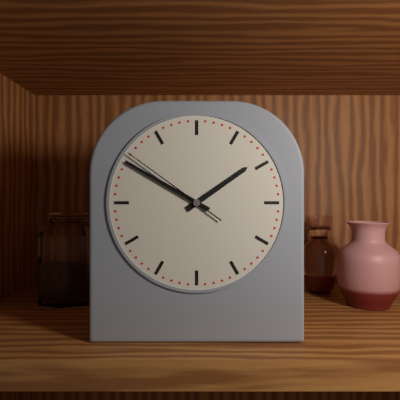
1:50:51
